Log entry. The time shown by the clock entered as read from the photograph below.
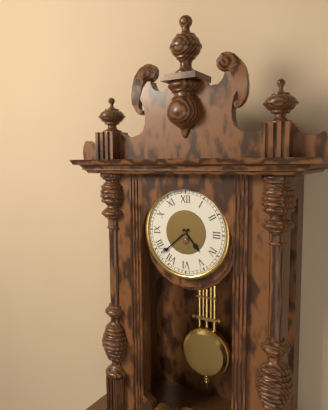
4:38
